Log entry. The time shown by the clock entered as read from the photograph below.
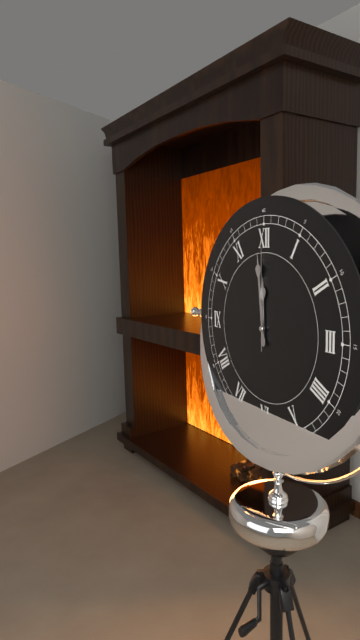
11:59:00
